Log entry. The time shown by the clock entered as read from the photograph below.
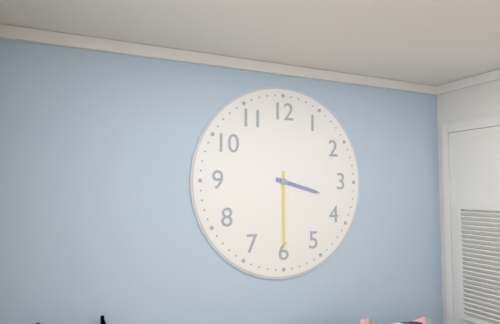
3:30
